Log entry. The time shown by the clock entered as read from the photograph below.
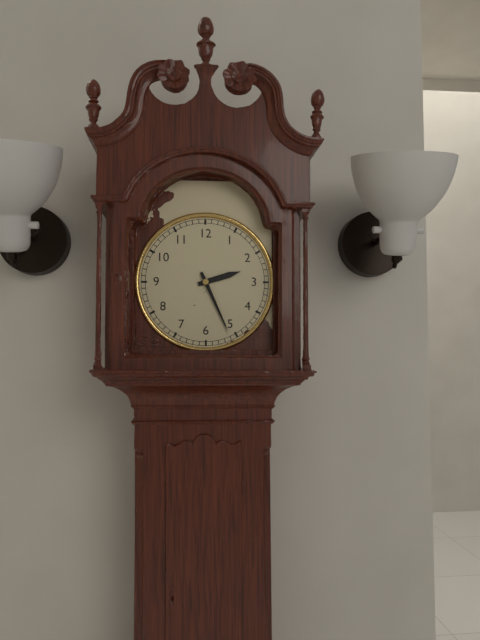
2:26
